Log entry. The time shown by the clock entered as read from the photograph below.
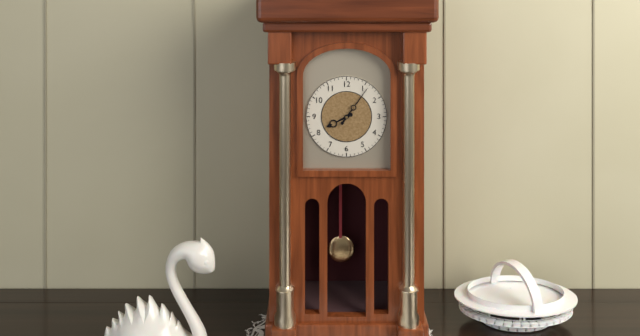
8:06
